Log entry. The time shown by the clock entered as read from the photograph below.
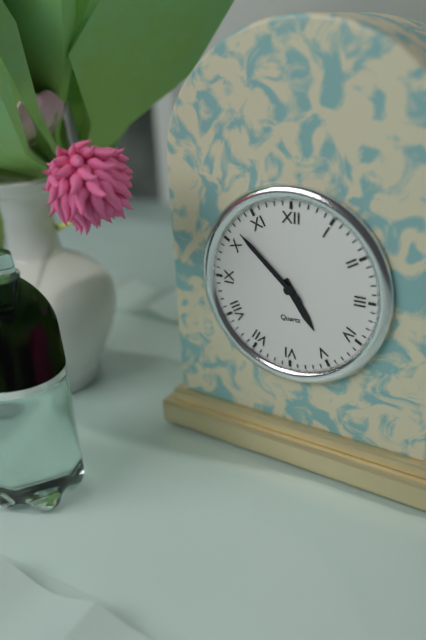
4:52
